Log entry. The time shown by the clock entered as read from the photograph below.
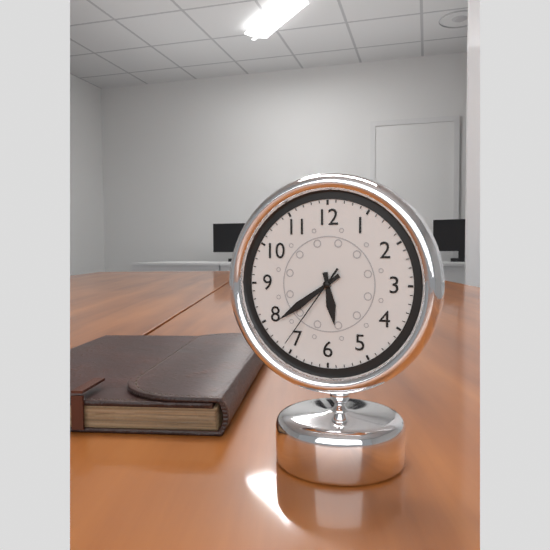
5:39:36
